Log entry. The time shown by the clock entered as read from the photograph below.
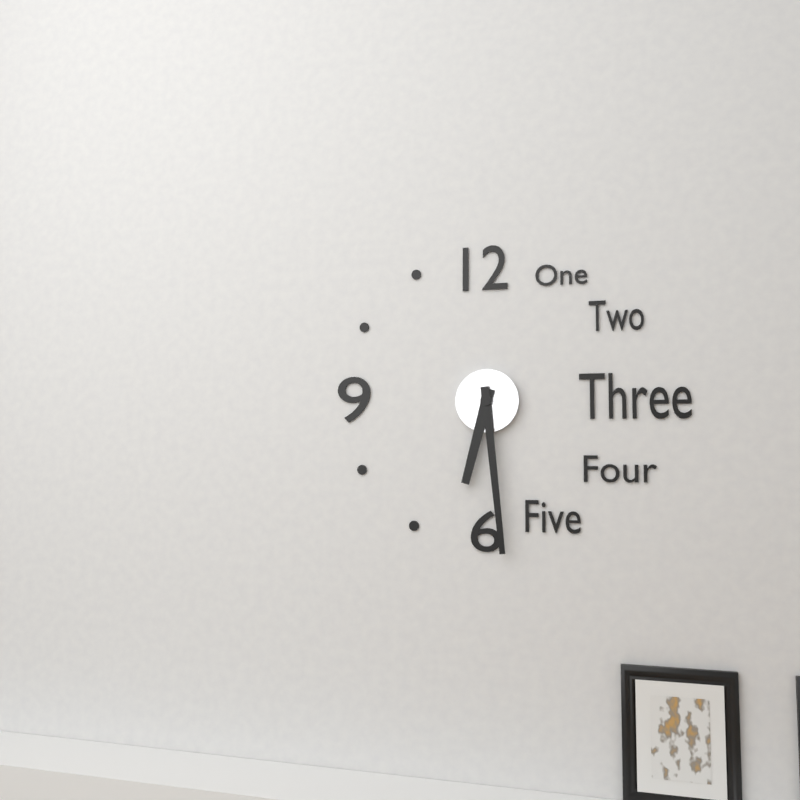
6:29
